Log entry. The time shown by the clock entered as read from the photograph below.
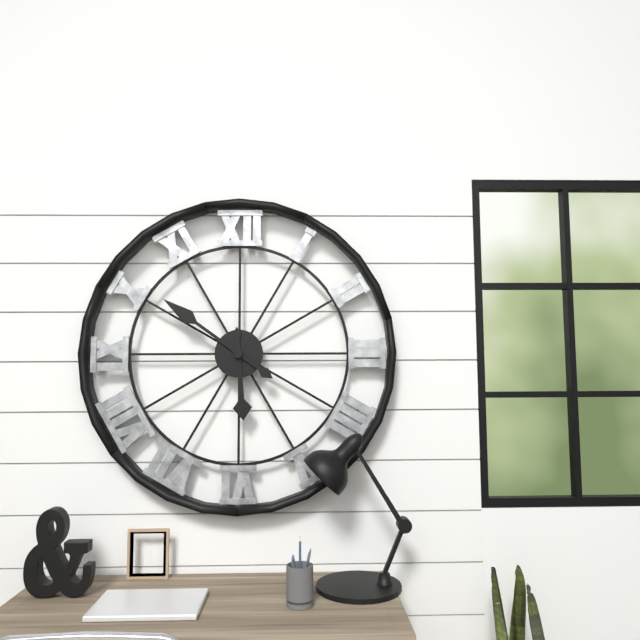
5:51
